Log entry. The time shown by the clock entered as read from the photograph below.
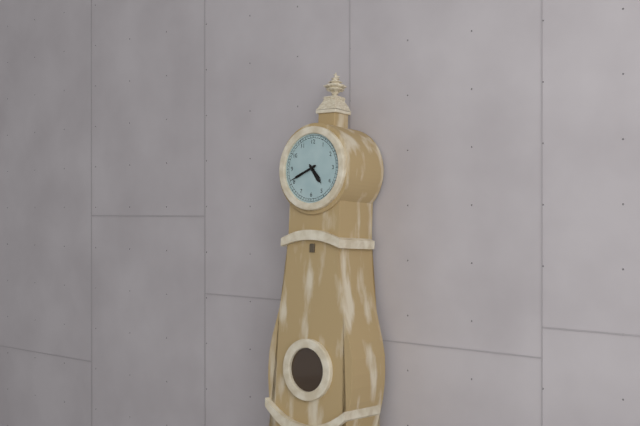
4:41
